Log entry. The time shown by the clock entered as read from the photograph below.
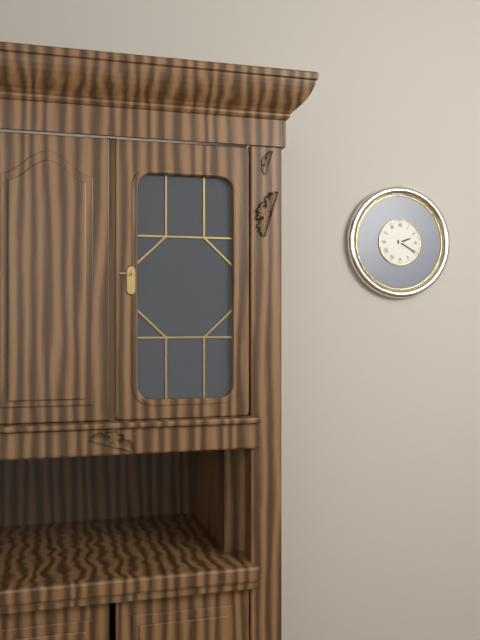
2:20
